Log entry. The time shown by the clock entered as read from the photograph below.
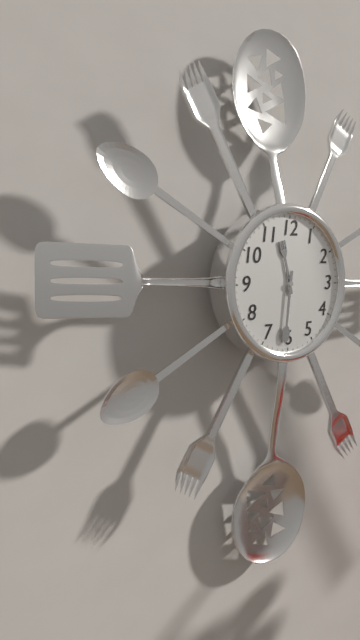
11:31
